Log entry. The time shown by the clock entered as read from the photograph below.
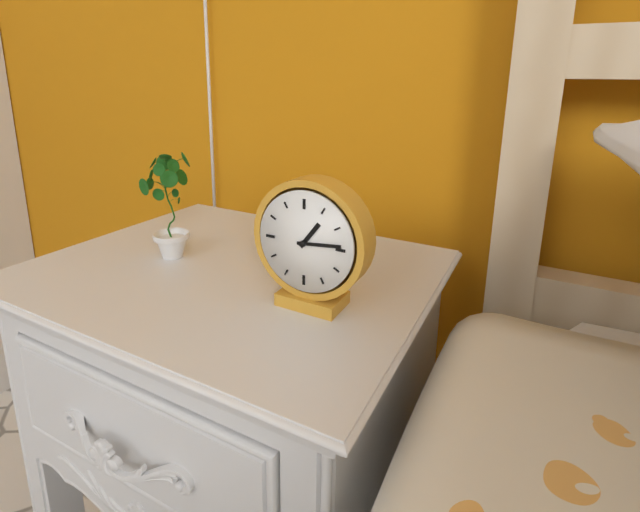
1:14
